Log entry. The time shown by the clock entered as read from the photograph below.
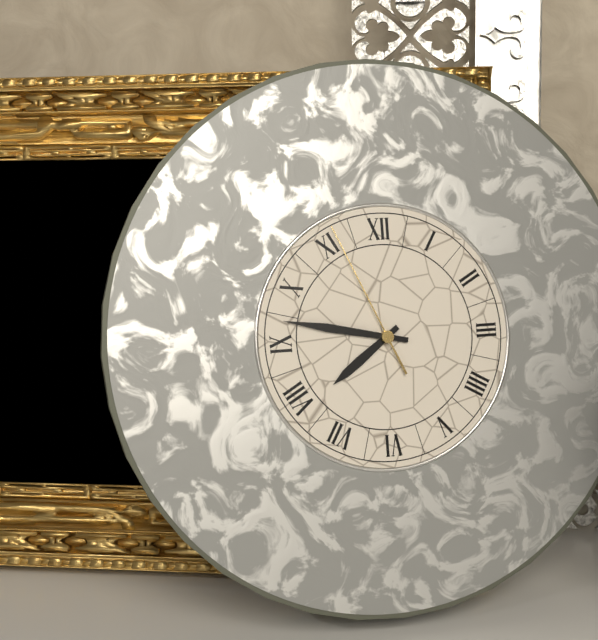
7:47:56
